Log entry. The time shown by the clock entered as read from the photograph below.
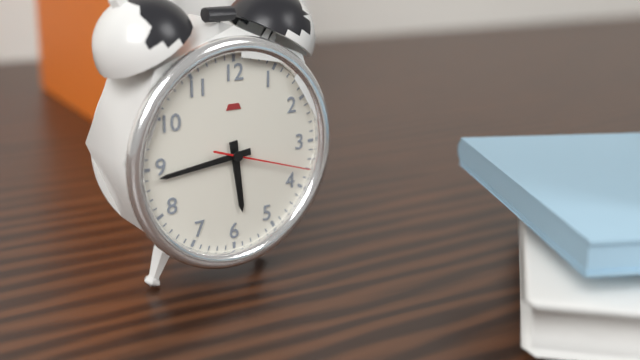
5:44:18
